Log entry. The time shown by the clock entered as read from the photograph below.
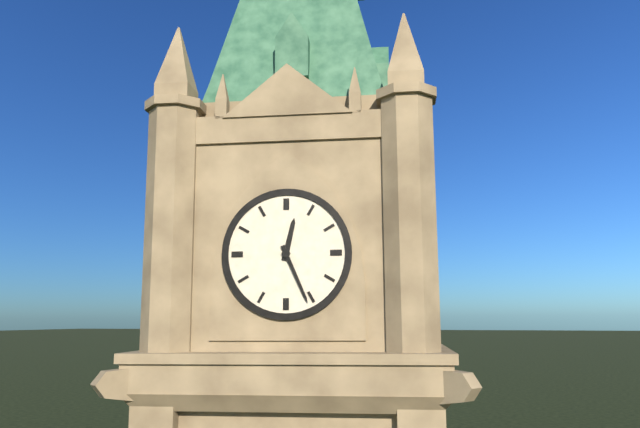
12:26
